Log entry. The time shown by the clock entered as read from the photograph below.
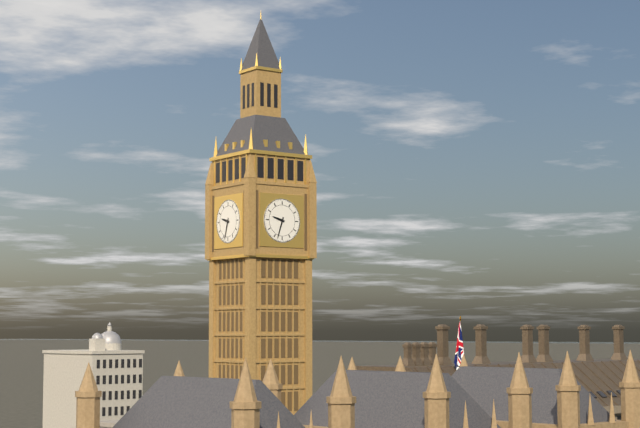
9:33
